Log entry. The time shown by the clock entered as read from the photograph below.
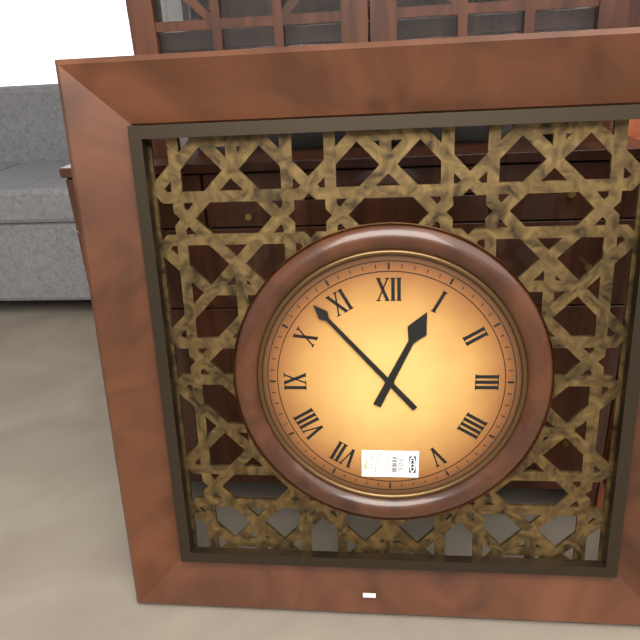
12:53
